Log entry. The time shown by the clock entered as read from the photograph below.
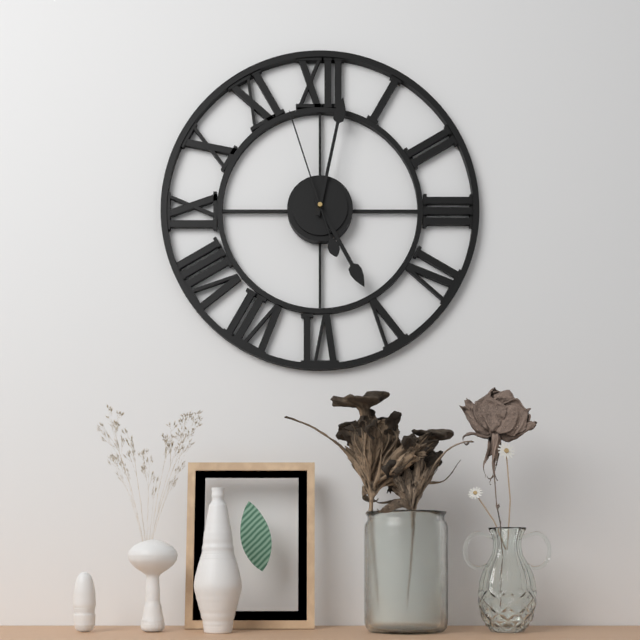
5:02:57
